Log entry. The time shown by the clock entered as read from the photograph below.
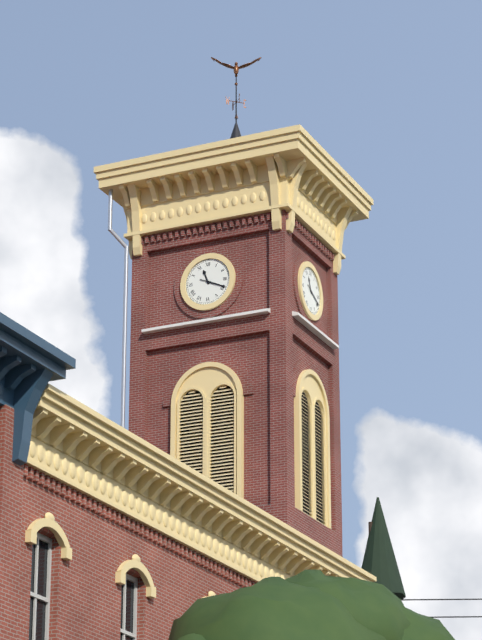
11:19
